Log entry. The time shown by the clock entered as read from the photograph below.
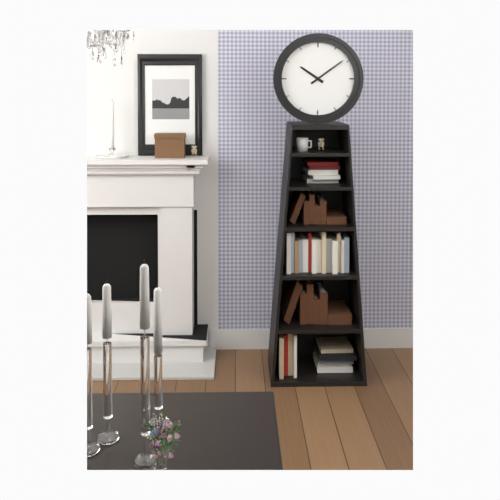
10:09
